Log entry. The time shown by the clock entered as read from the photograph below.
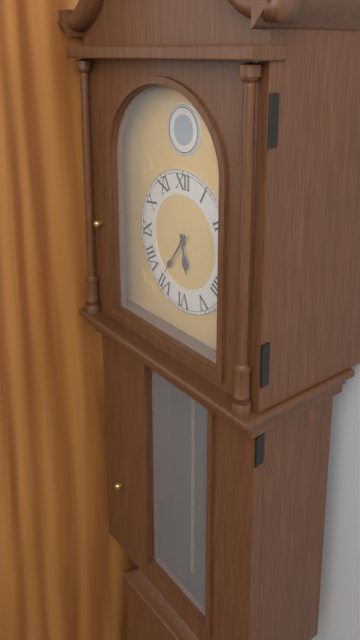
5:36
